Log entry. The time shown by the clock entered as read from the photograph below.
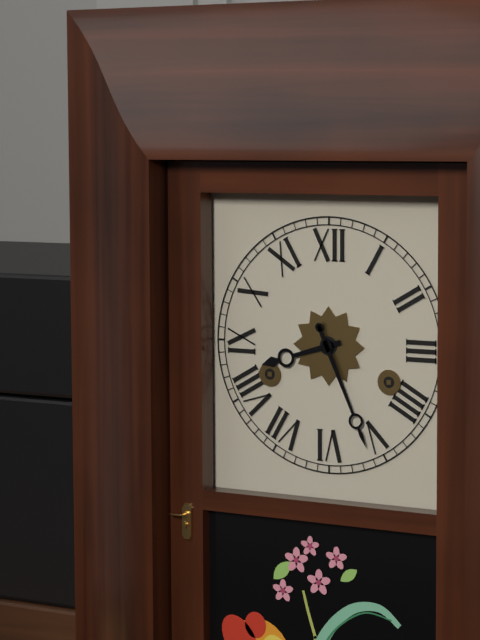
8:26
